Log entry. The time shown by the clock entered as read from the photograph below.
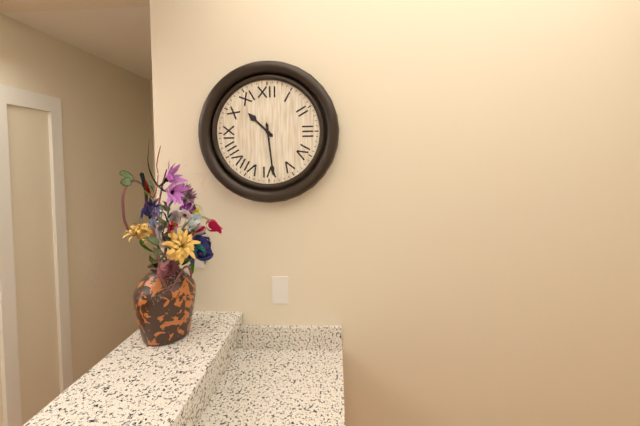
10:29
